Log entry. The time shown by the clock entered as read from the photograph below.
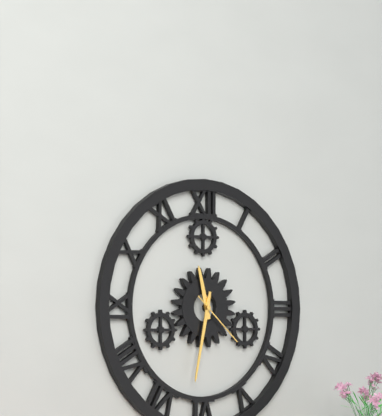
11:32:22
